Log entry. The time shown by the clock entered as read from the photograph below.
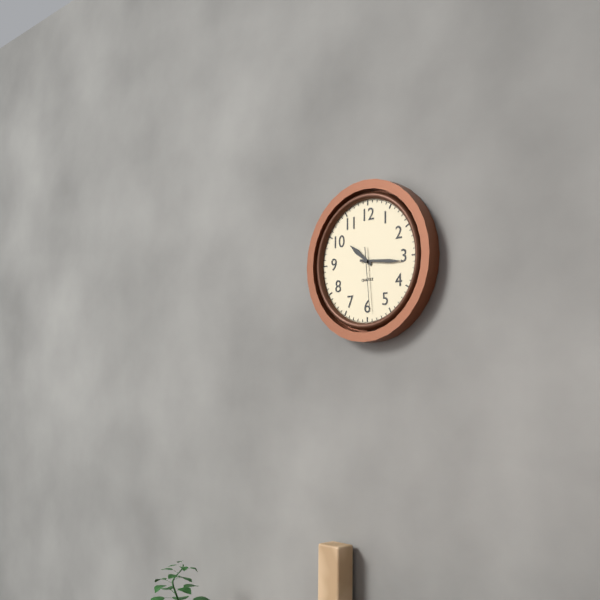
10:16:29
